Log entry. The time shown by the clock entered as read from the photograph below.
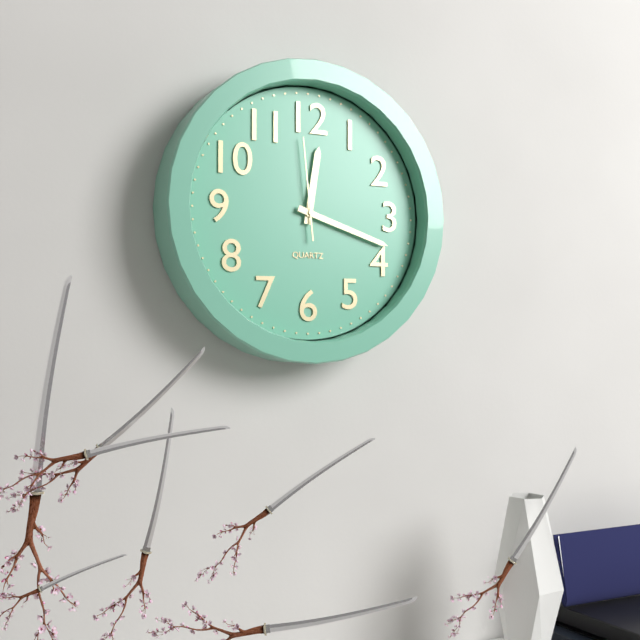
12:18:59
